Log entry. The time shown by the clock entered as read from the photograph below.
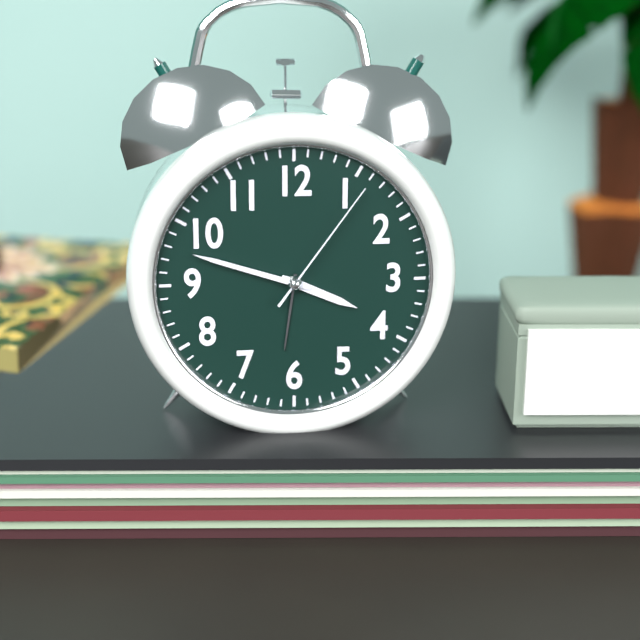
3:48:06
